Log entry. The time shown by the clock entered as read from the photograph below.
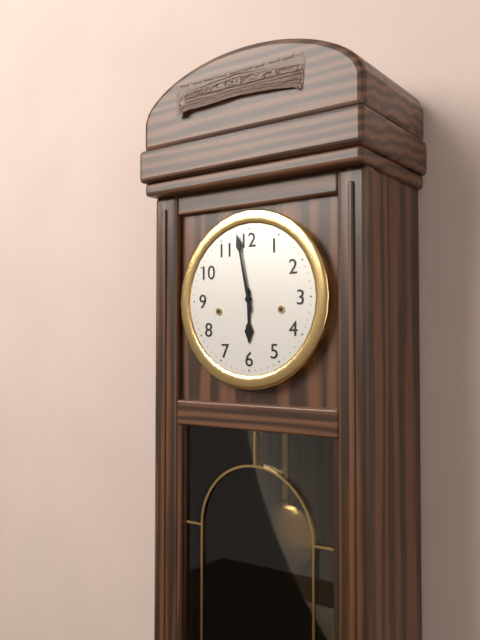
5:58
